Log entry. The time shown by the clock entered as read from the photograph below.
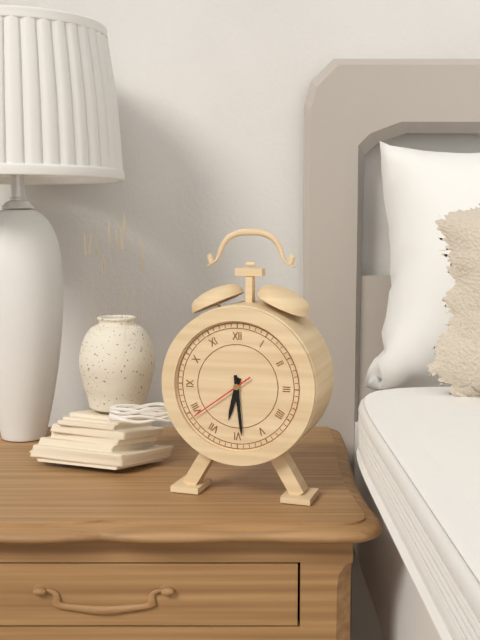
6:29:39
